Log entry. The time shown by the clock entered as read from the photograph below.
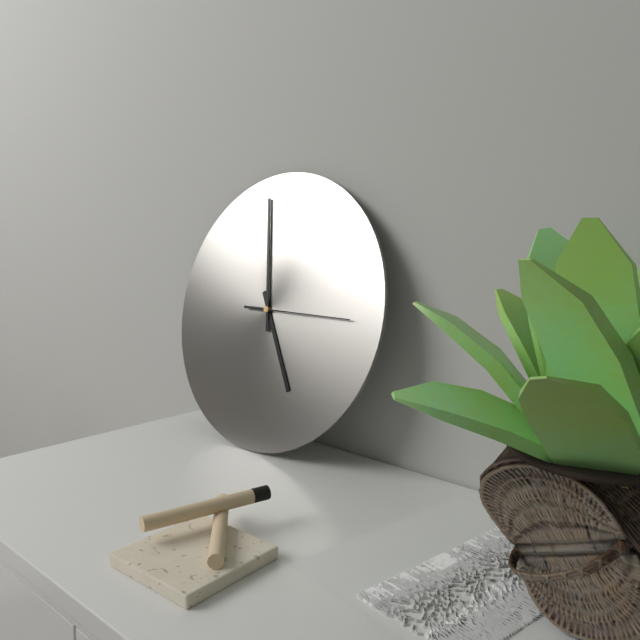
4:58:15
